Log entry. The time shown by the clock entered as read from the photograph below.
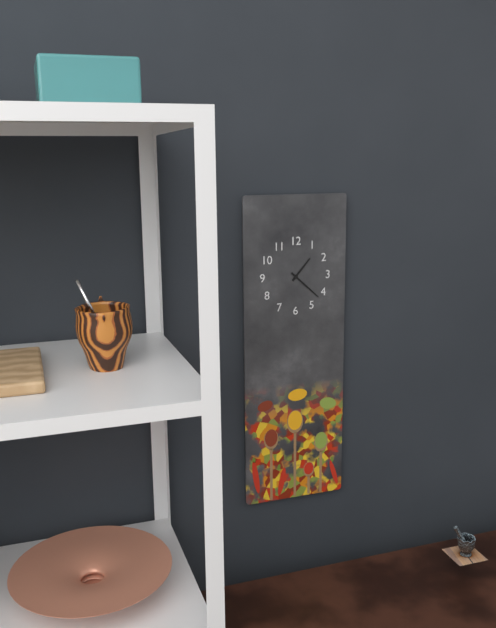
1:22
